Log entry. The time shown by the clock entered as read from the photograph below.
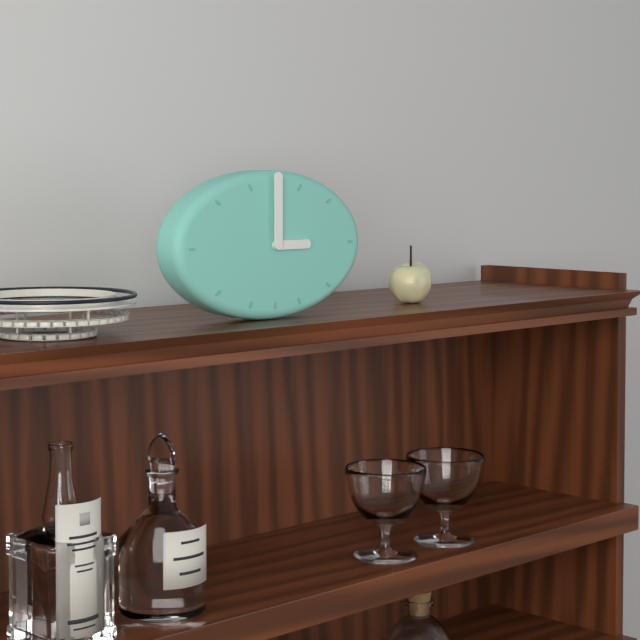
3:00
